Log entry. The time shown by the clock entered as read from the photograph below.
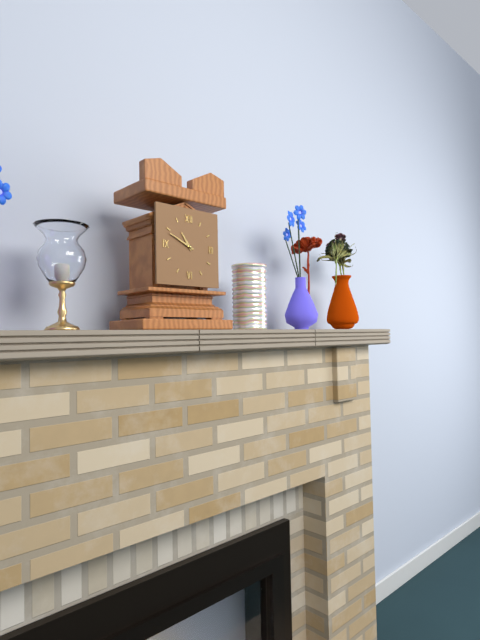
10:49
